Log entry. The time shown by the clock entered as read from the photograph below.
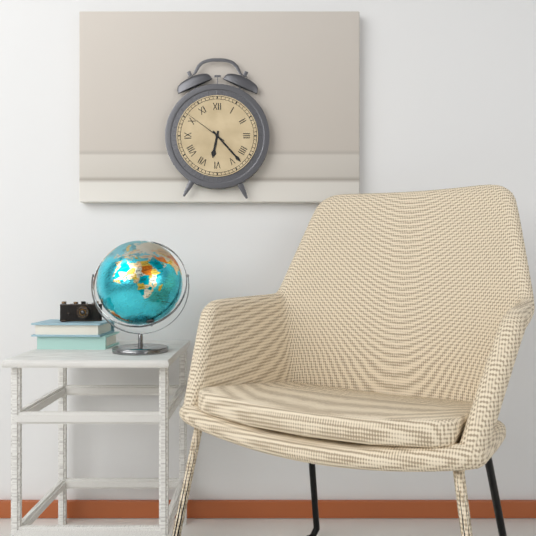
6:23
